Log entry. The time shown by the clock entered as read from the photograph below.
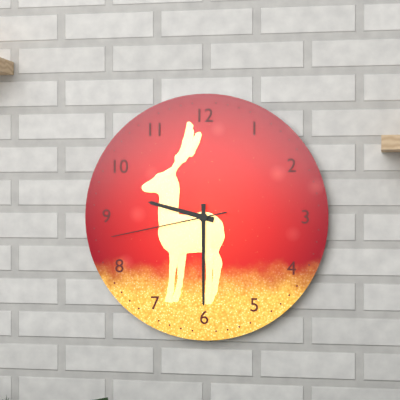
9:30:43
